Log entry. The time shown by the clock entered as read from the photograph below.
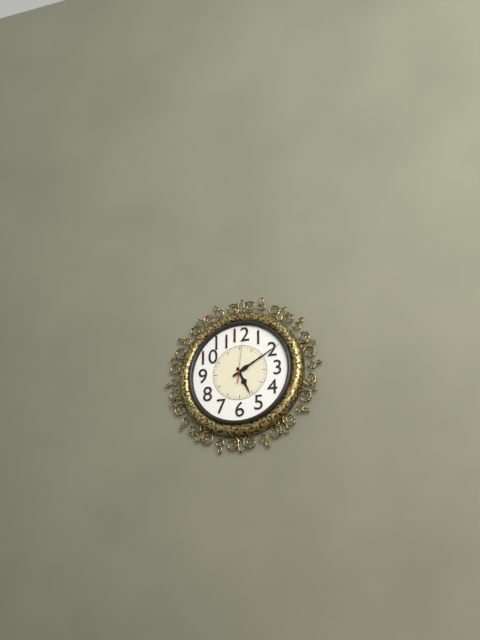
5:10
